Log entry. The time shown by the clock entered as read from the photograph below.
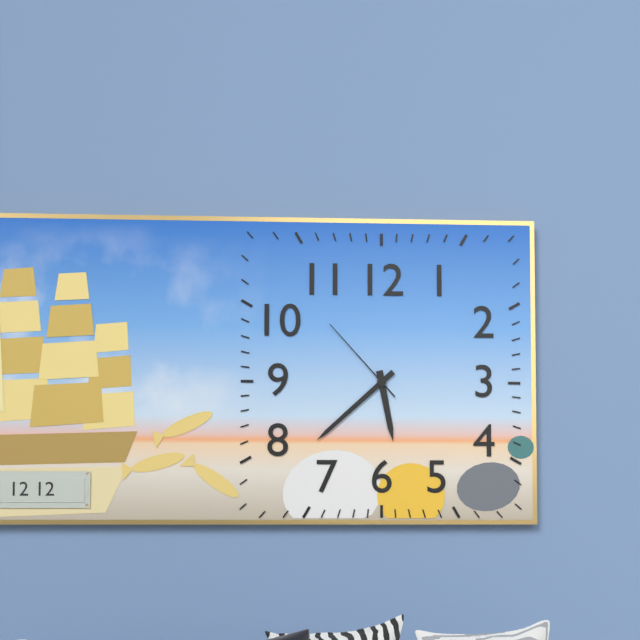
5:38:53
